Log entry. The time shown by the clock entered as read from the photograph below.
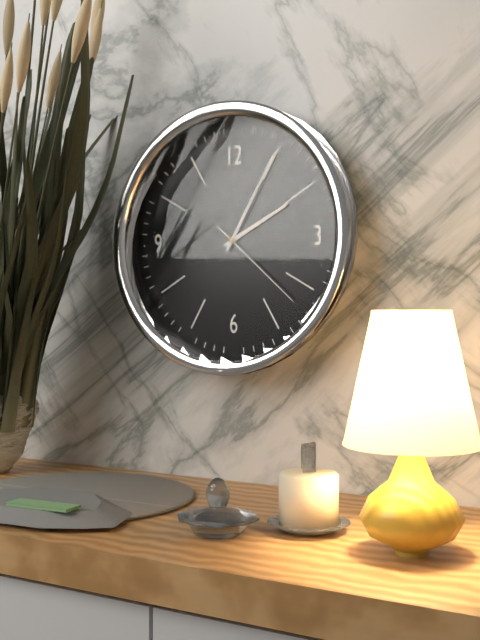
2:05:22
